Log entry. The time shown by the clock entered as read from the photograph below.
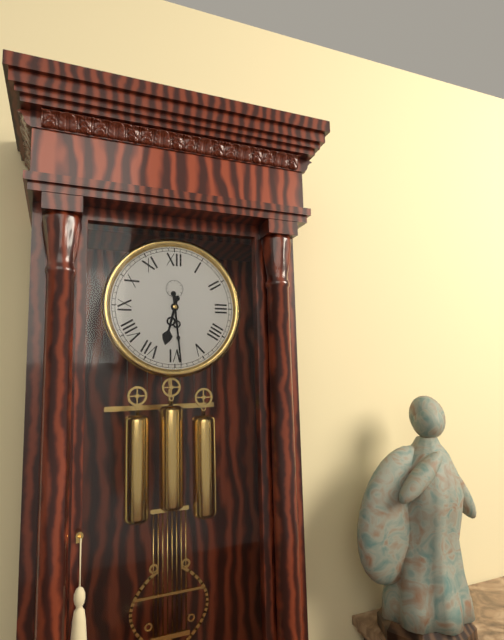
6:29
